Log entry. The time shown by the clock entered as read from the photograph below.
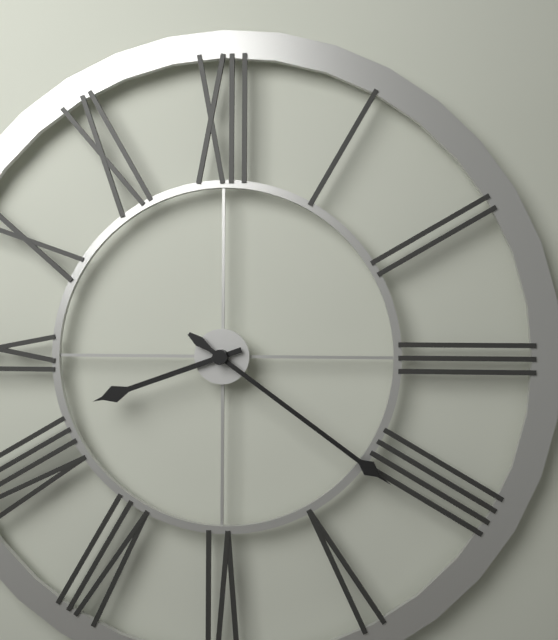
8:21
